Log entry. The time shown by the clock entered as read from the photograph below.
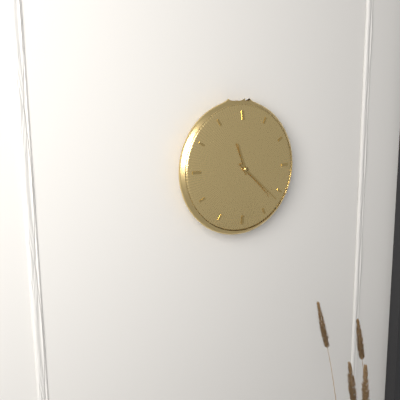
11:22
